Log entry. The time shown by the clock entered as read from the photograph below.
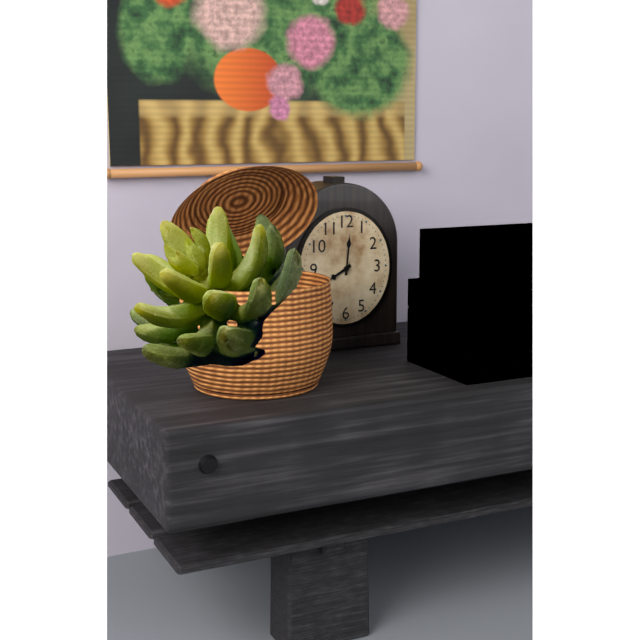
8:01
